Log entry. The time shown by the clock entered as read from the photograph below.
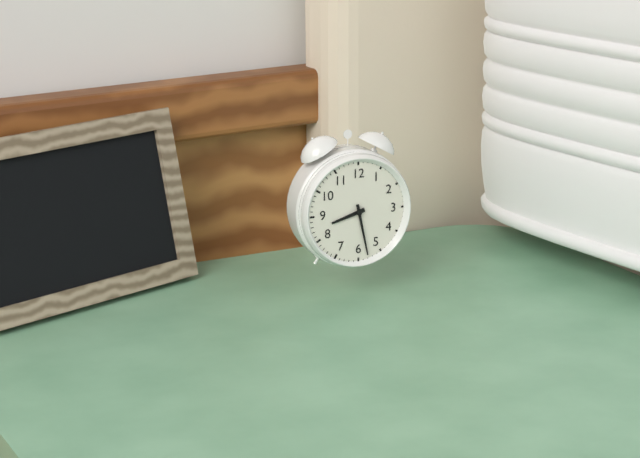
8:28
